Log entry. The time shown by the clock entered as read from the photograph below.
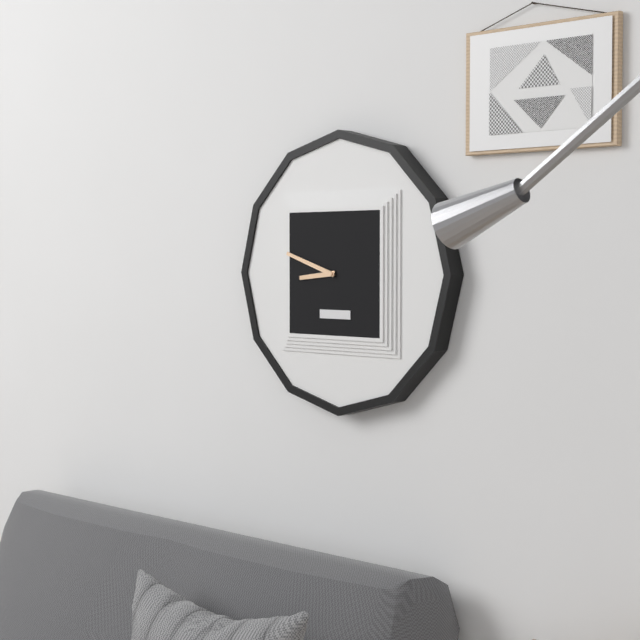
8:48
